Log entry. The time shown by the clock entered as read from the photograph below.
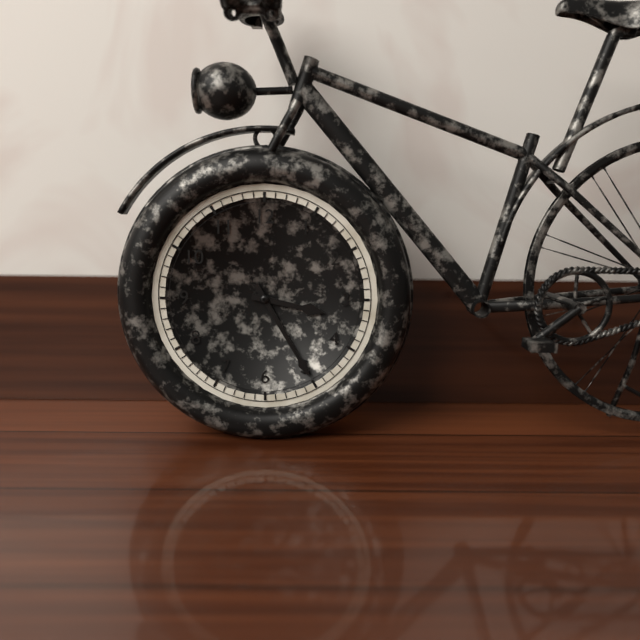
3:25
